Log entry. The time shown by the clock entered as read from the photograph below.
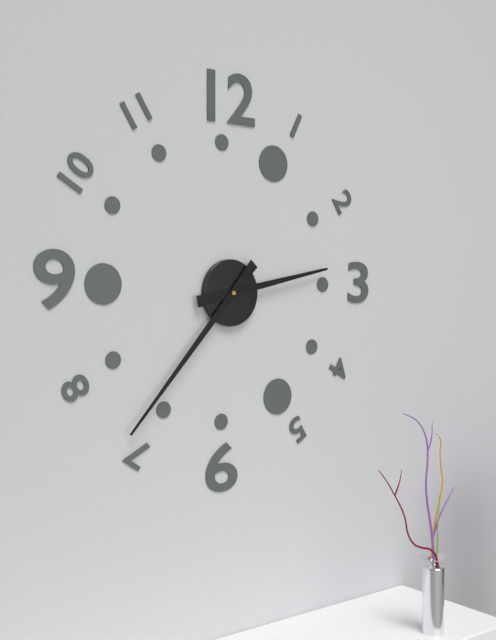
2:37
